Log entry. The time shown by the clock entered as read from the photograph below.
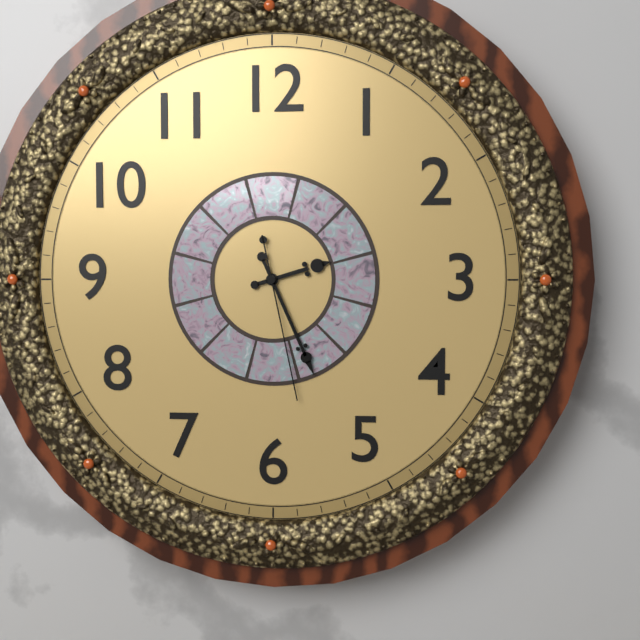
2:26:28
